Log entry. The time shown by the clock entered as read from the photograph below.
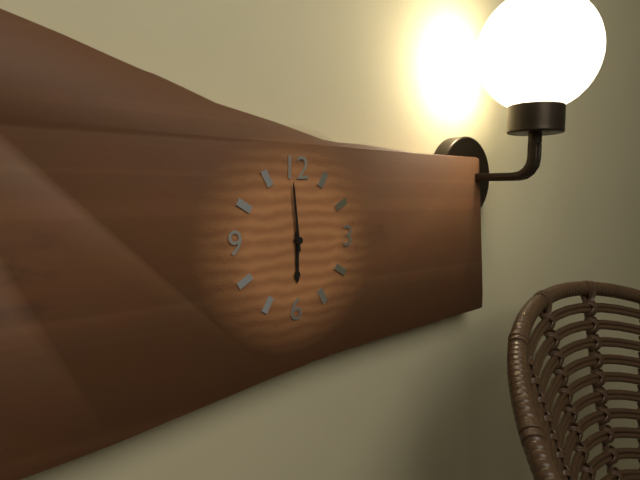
5:59
